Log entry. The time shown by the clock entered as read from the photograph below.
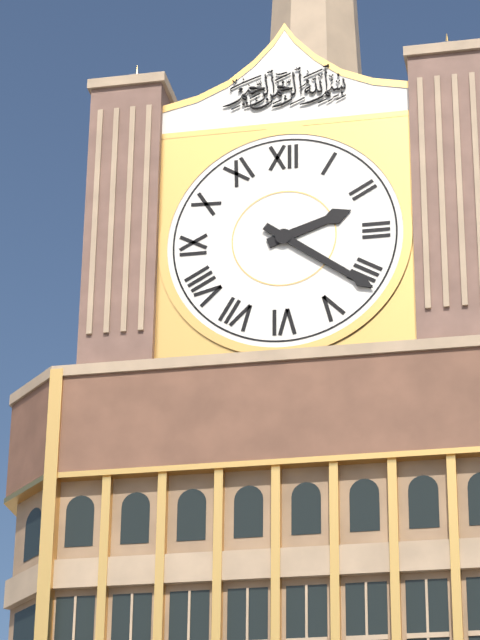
2:21
